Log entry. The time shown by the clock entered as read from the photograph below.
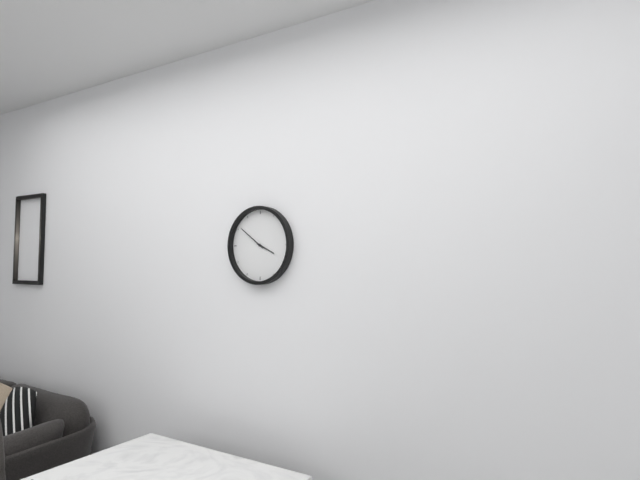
3:51
